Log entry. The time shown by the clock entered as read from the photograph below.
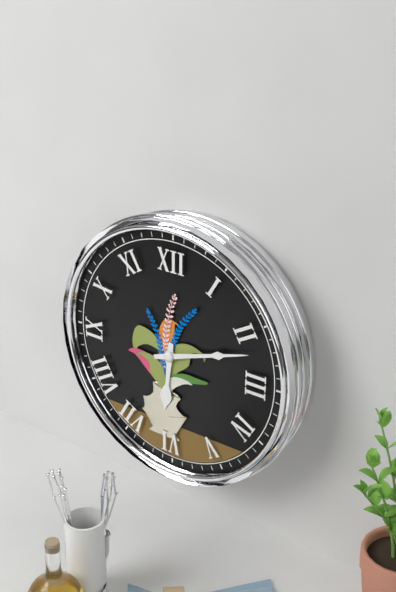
6:12
